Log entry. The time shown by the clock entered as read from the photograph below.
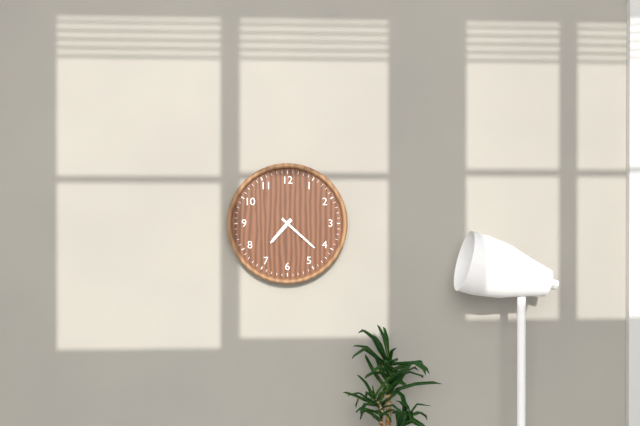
7:22
